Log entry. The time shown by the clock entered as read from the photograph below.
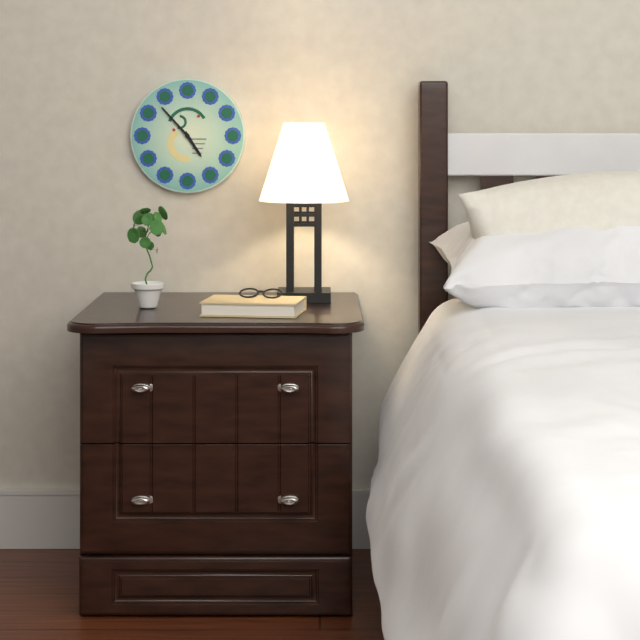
4:53
